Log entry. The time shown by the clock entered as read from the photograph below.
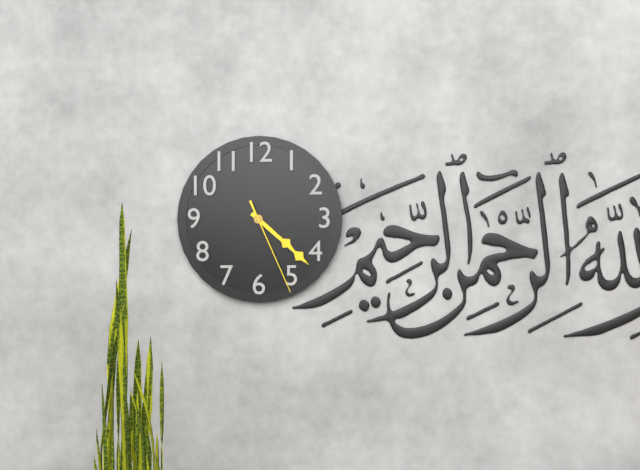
4:22:26
